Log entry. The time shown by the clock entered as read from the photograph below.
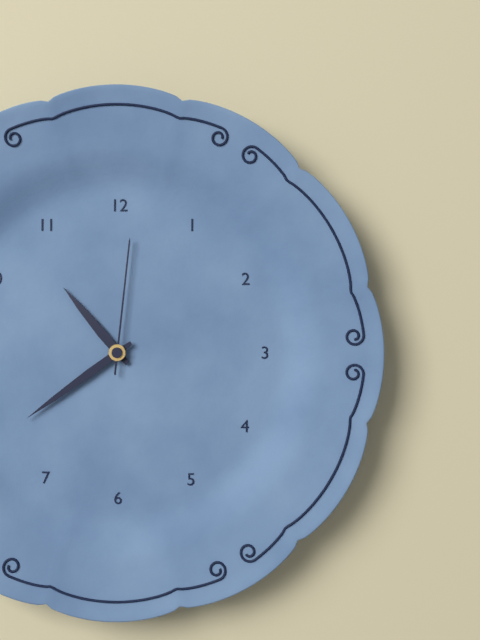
10:39:01
